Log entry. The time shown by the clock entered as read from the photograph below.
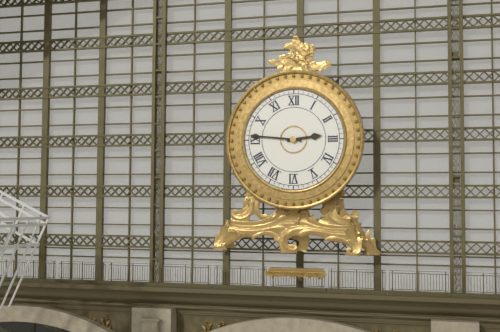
2:46
